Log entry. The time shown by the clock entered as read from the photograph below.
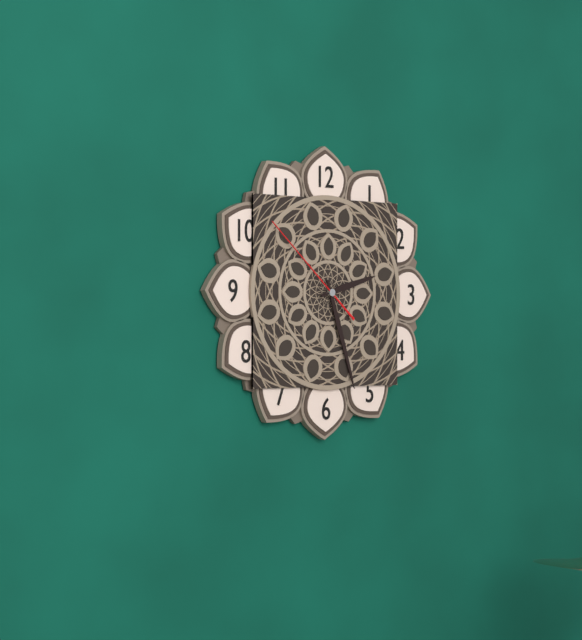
2:27:52
